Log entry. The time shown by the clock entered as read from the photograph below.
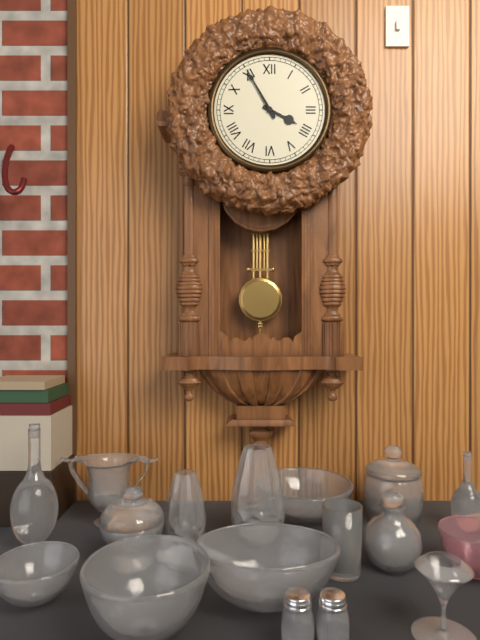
3:55
